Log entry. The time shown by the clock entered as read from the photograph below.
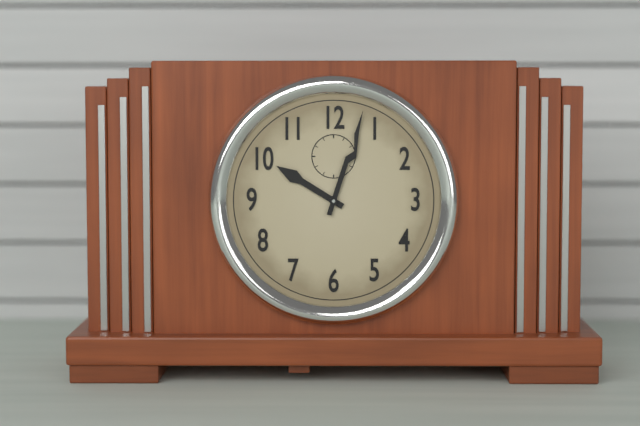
10:03
